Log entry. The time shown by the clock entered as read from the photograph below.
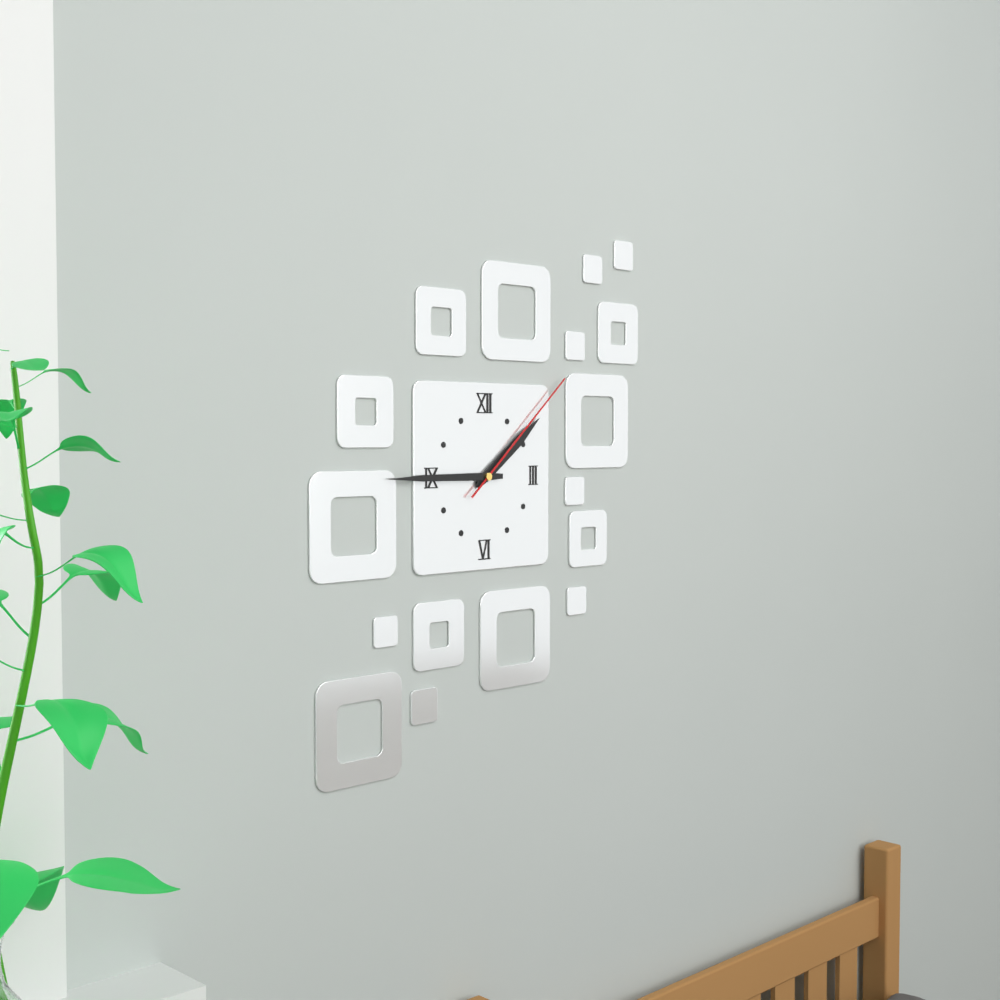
1:45:08
